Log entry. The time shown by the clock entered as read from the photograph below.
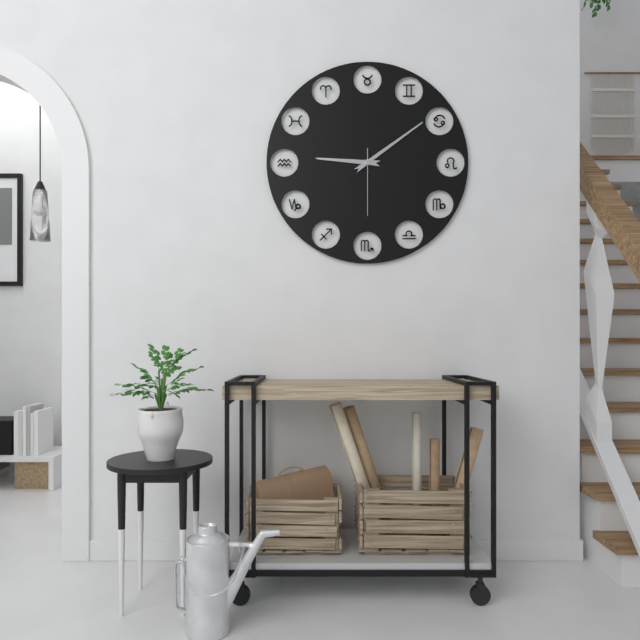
9:09:30
